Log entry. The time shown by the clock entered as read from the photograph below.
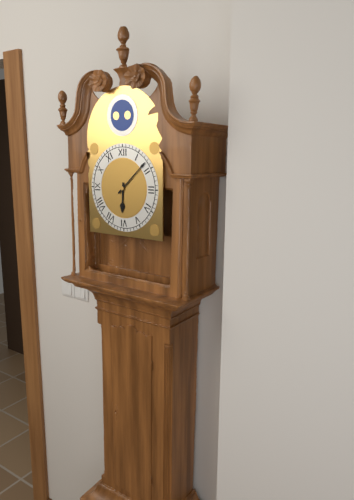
6:08
